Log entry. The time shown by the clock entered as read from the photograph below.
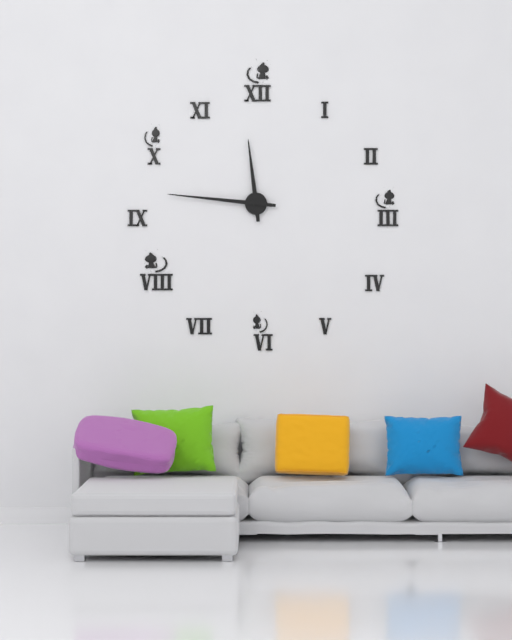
11:46
